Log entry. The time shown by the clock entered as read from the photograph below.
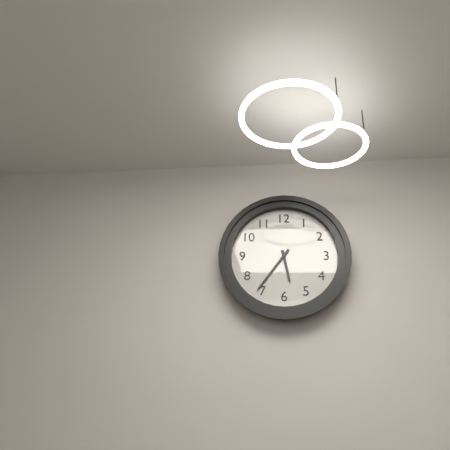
5:36
